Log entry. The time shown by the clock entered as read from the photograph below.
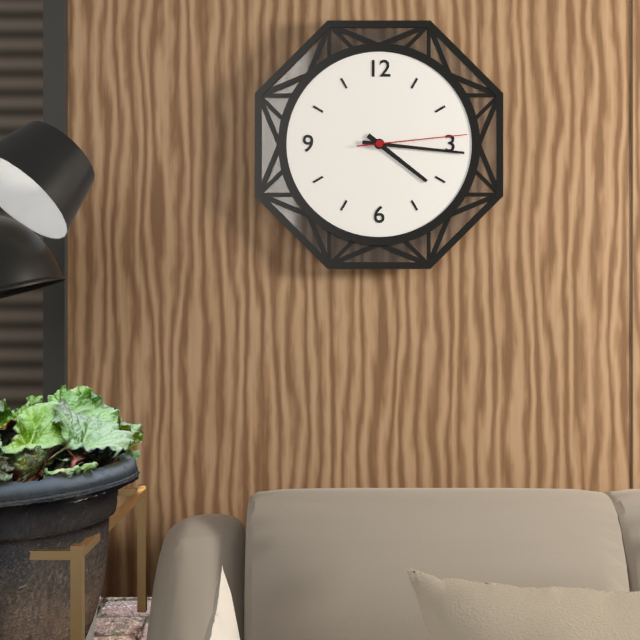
4:16:14
